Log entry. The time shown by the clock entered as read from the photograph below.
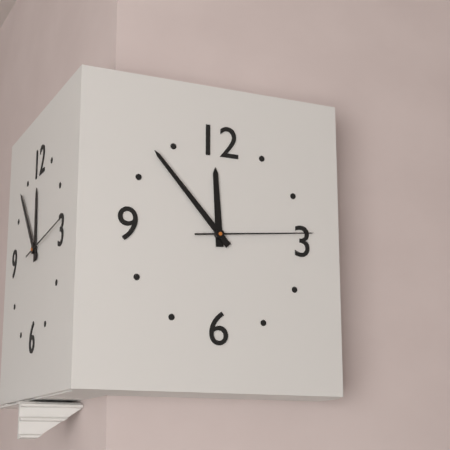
11:53:14
